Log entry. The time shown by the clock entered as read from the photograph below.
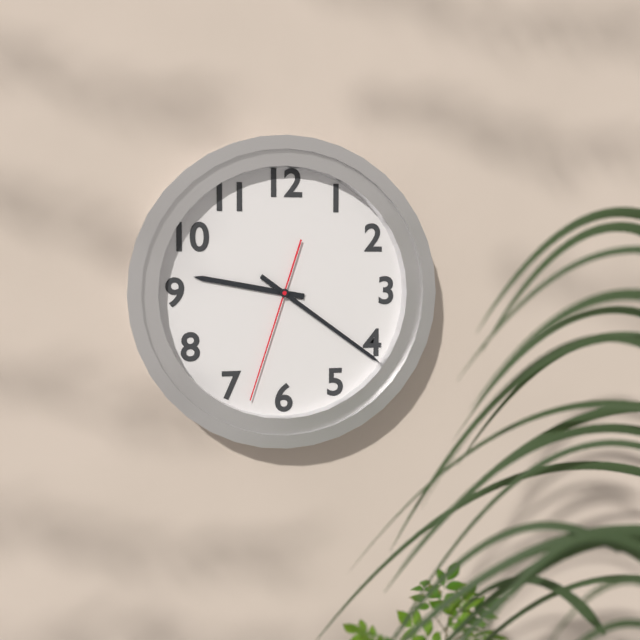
9:21:33
